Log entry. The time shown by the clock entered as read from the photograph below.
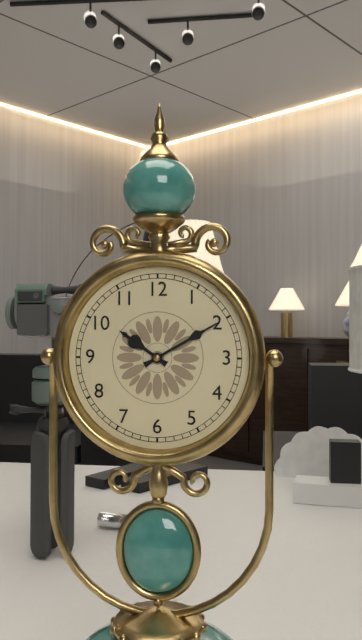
10:10
